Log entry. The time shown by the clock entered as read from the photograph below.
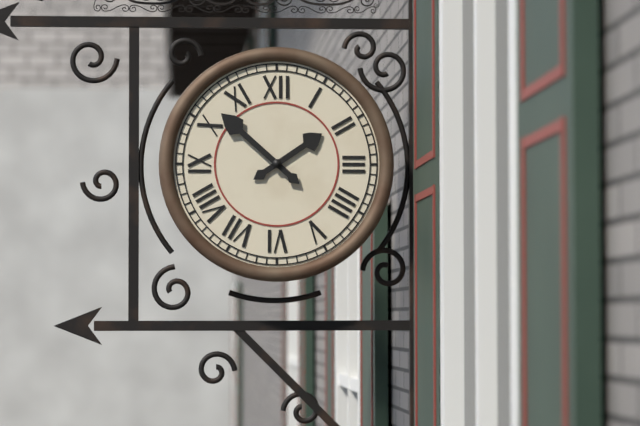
1:52
